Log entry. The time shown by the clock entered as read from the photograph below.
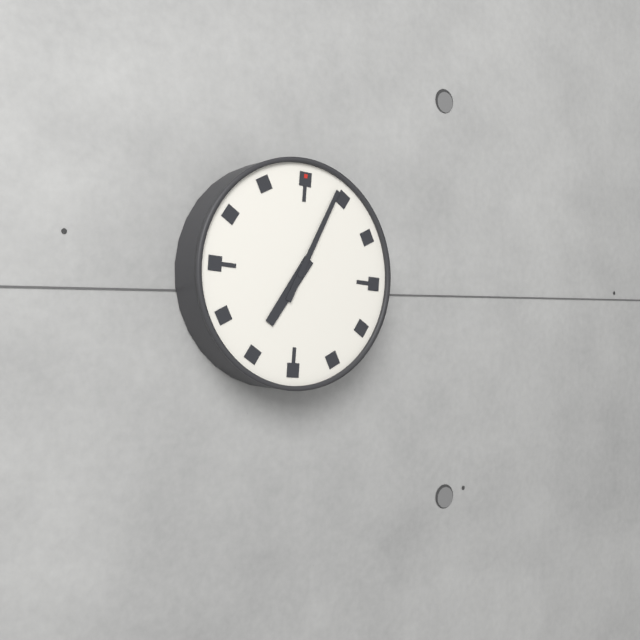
7:04
